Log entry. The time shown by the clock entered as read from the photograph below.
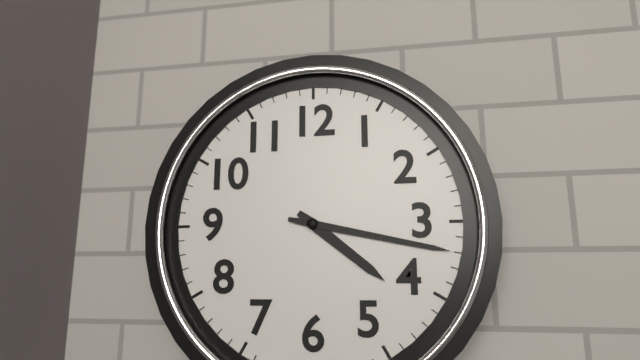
4:17
